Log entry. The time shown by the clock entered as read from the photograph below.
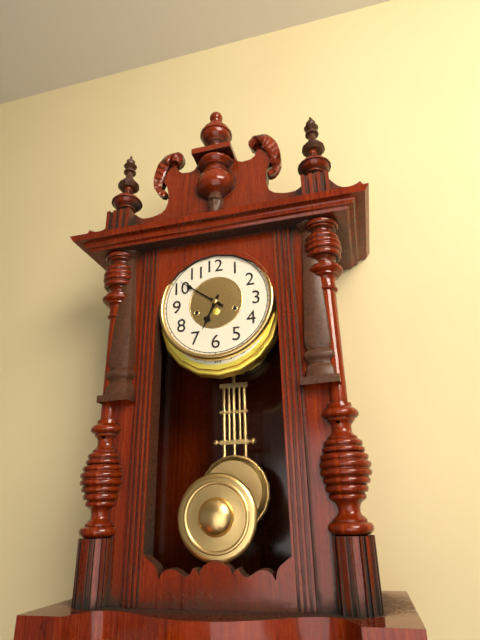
6:51
